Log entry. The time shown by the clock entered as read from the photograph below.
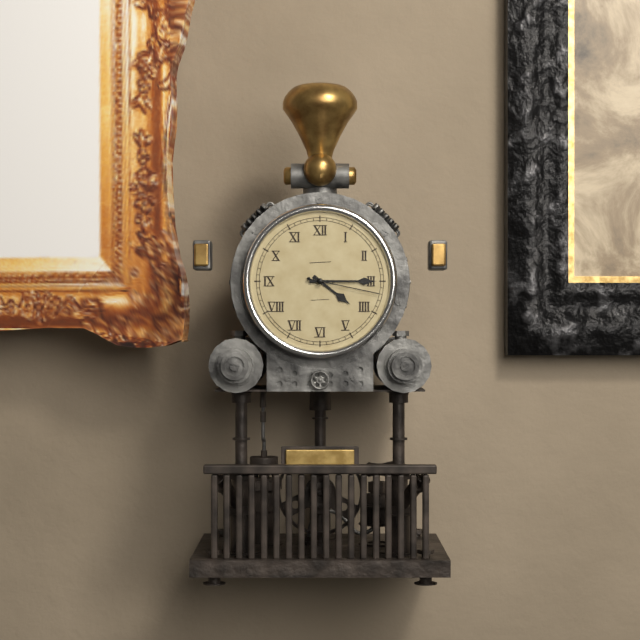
4:15:17
